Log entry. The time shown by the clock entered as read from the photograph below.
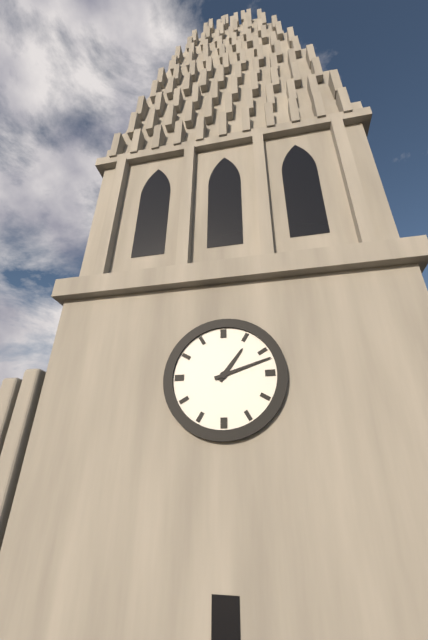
1:12
